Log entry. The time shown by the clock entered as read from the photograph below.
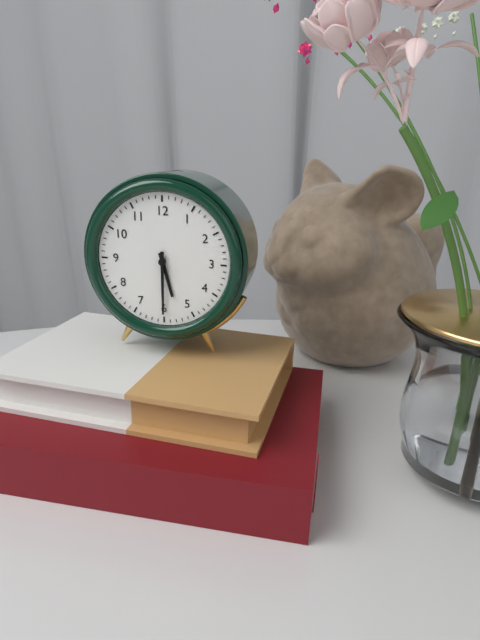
5:30
